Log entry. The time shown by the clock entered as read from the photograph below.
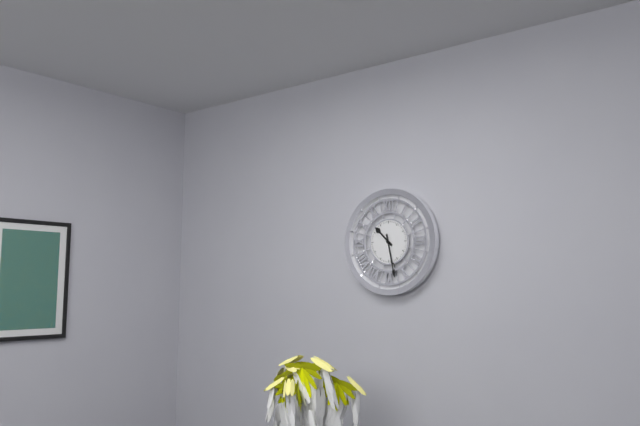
10:28
